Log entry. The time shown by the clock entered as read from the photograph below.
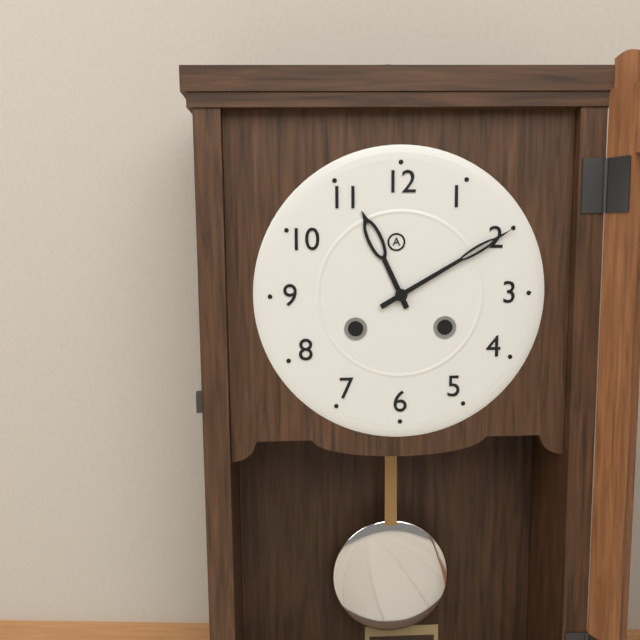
11:10
